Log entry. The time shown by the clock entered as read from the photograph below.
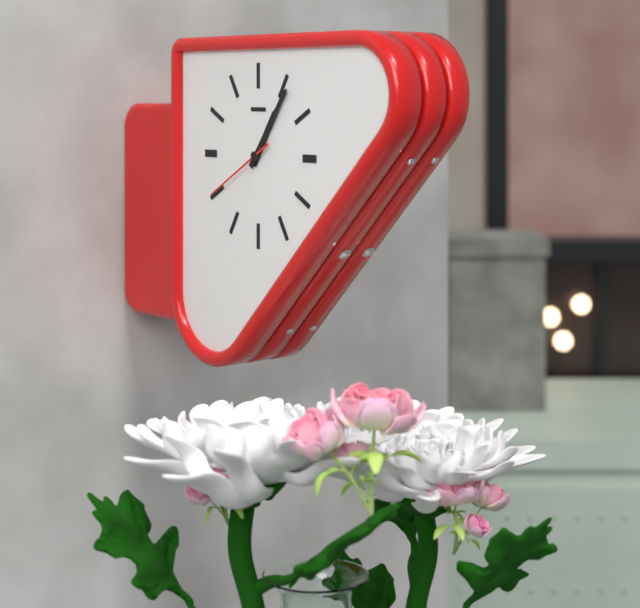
1:06:40
